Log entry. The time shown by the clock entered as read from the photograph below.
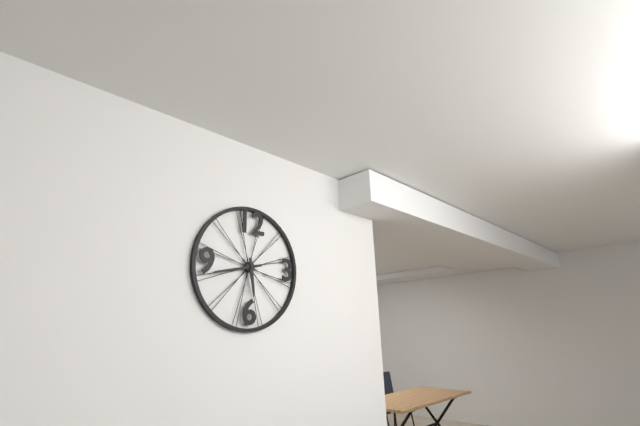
5:43
